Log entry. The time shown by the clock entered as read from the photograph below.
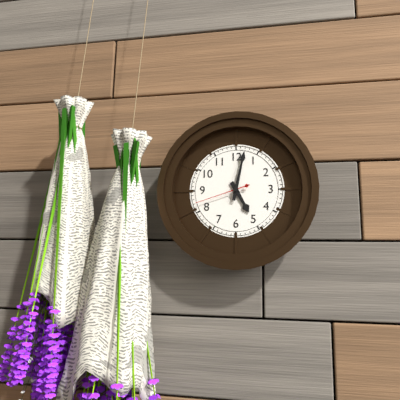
5:02:42
